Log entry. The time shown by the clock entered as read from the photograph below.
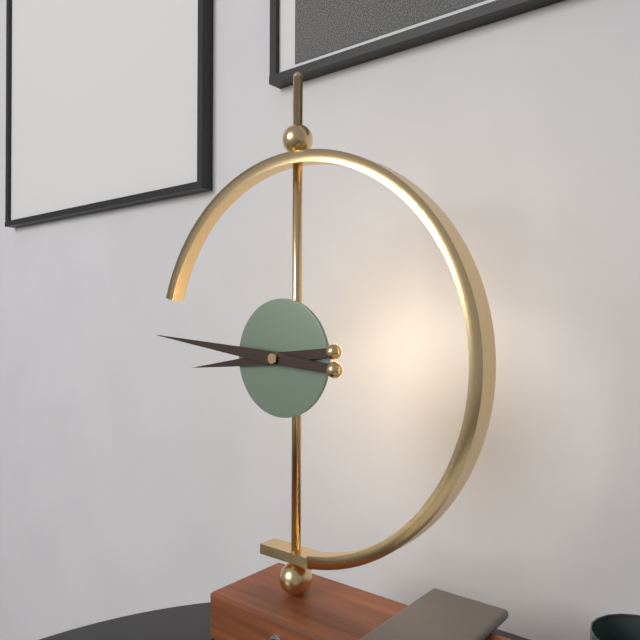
8:46
